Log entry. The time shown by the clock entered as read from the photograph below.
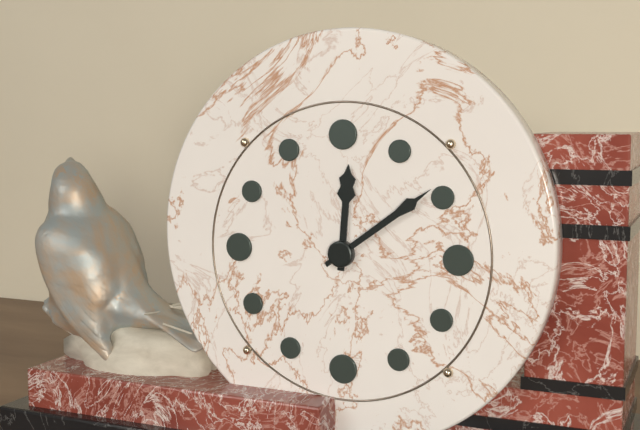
12:09
